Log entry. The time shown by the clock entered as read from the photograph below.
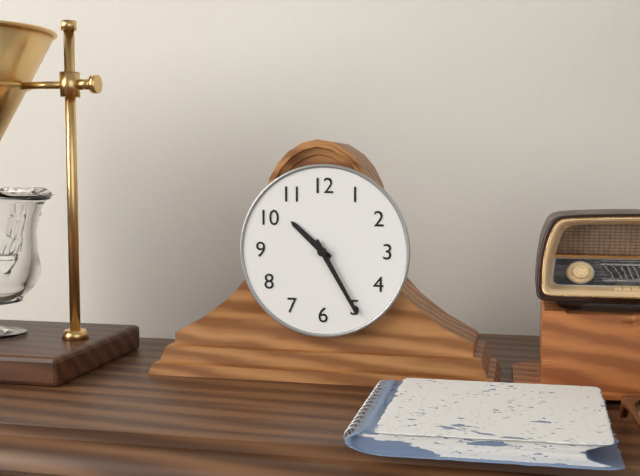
10:25
